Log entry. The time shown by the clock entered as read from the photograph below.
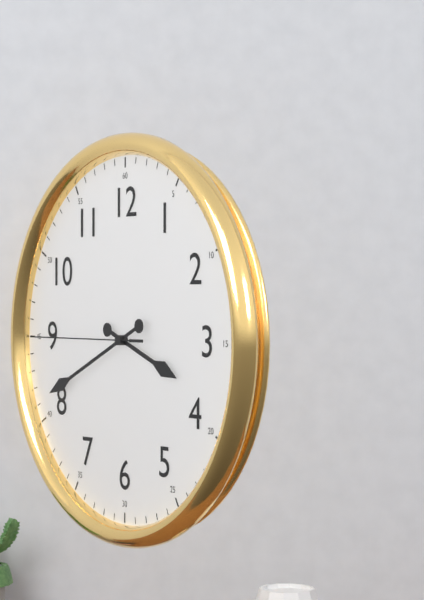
3:41:45
